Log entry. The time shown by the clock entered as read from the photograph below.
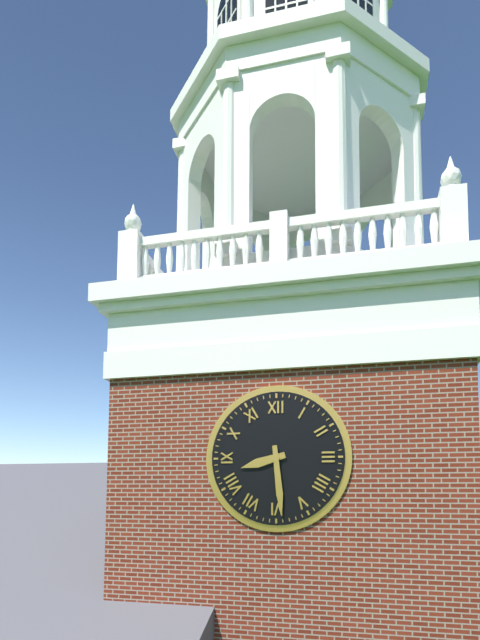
8:29
